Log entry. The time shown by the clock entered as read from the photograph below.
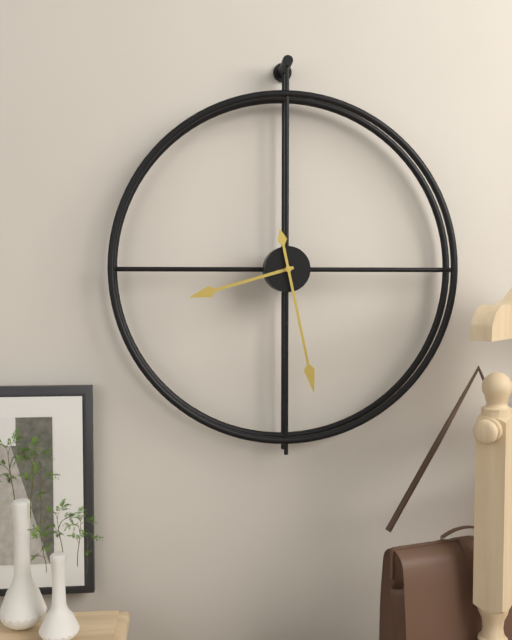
8:28
